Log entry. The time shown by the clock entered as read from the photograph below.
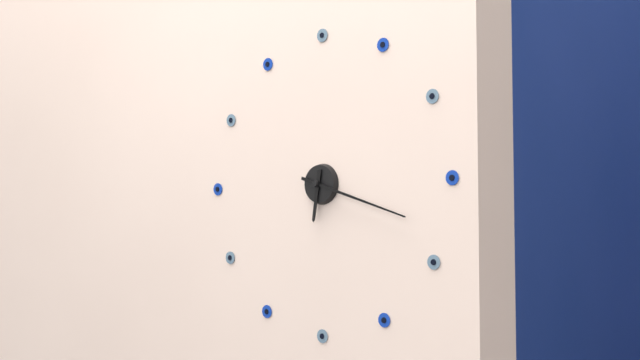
6:18
